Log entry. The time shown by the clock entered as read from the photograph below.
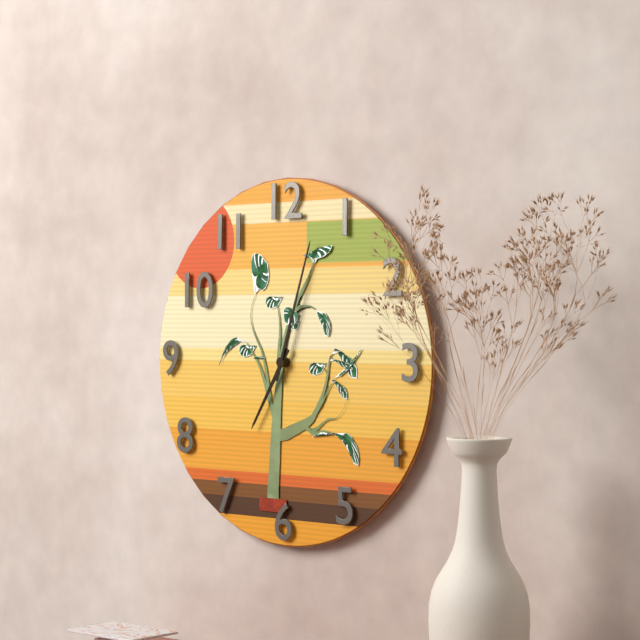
7:03
